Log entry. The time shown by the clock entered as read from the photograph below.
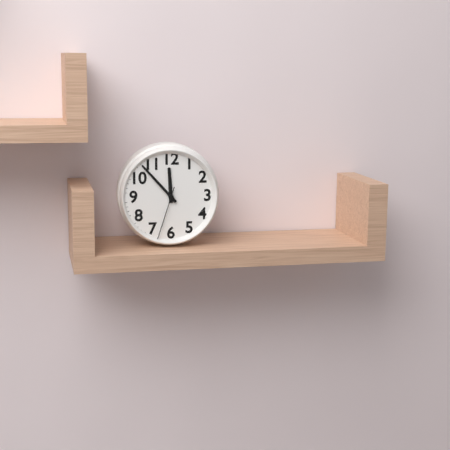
11:53:33
